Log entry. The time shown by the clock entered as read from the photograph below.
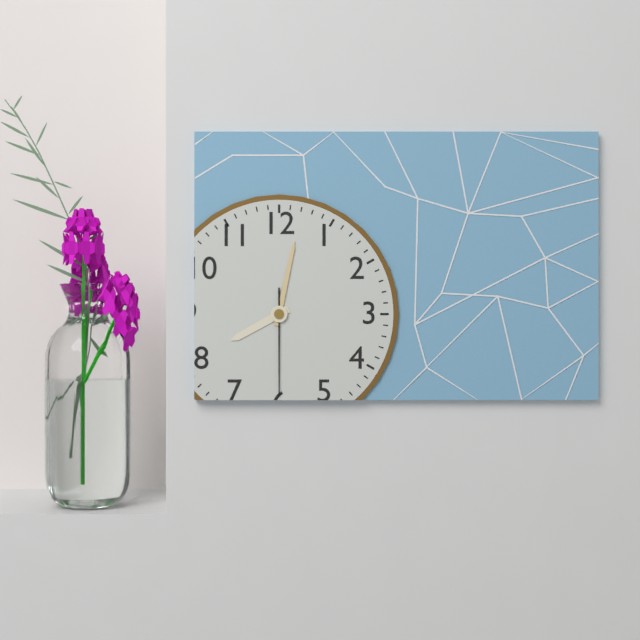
8:02:30
